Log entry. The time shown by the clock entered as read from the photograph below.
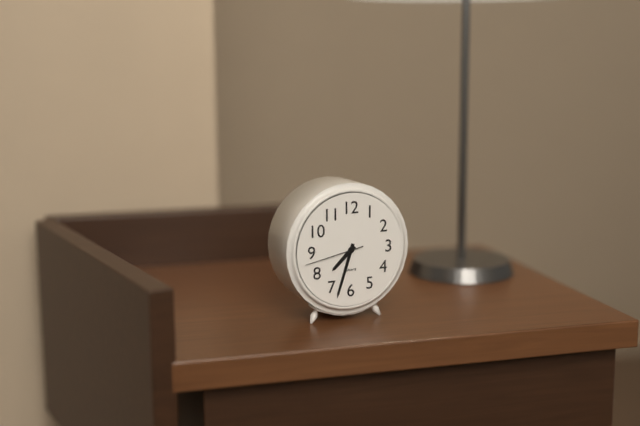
7:33:43
